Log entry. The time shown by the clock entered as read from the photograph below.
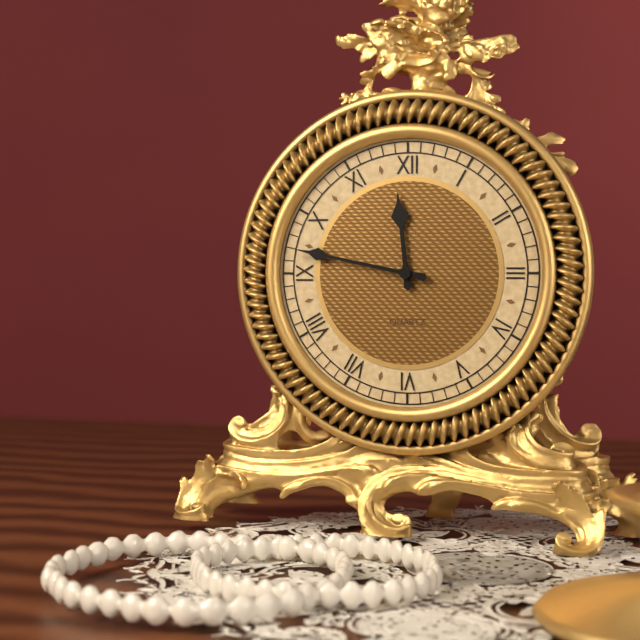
11:47
